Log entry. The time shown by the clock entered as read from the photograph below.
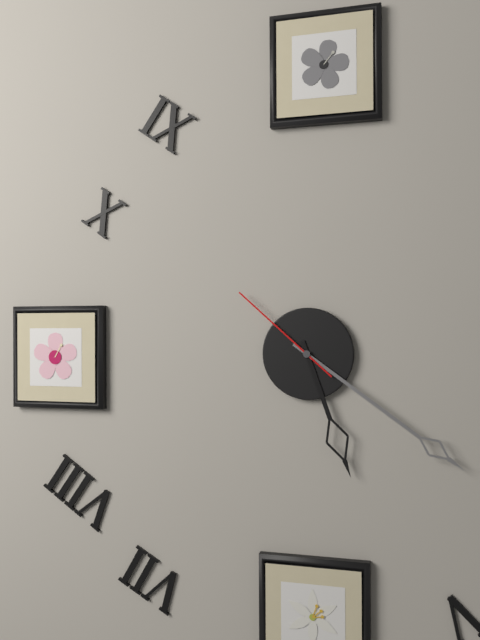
5:21:52
